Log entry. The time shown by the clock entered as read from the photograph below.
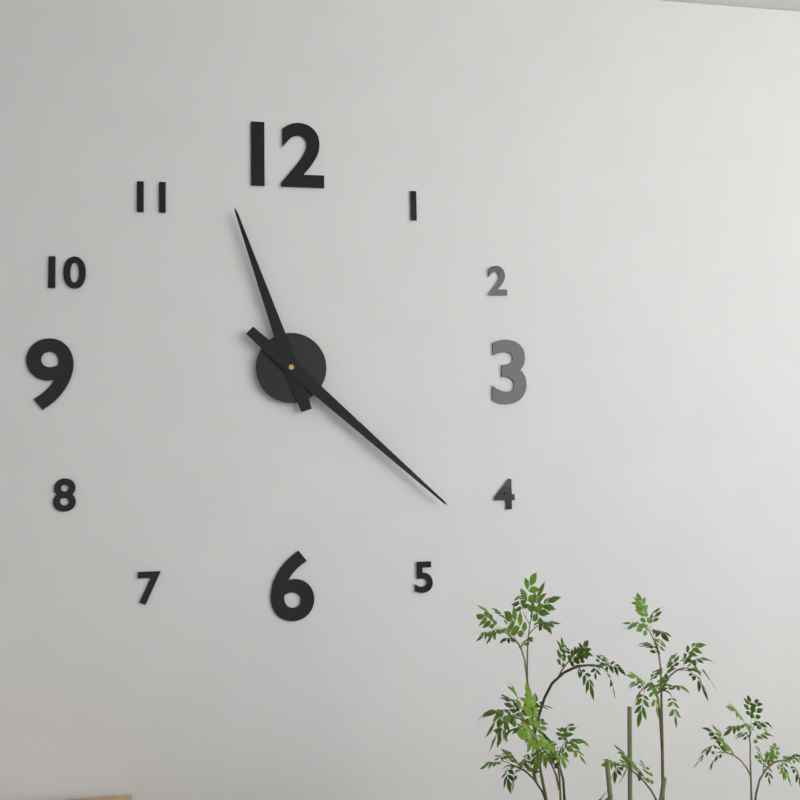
11:22
